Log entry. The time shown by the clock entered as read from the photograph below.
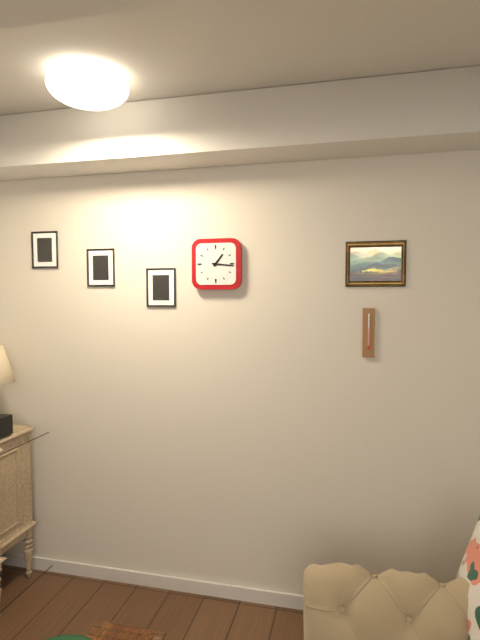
1:16
